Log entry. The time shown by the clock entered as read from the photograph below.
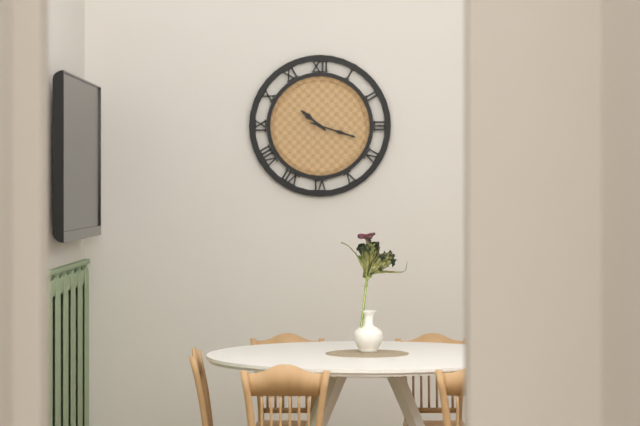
10:18
